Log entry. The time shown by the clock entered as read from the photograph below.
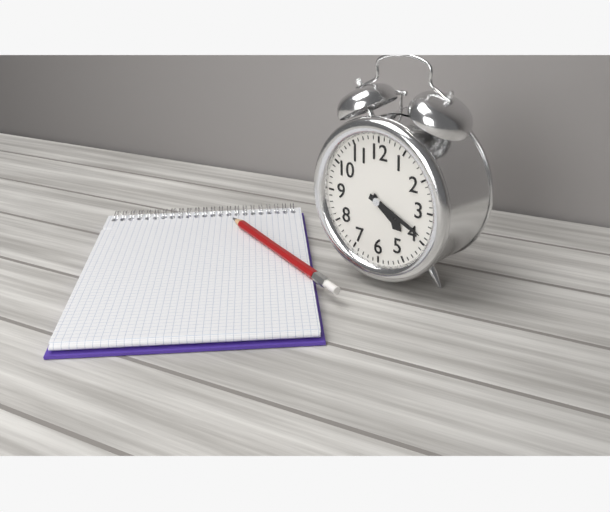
4:19
